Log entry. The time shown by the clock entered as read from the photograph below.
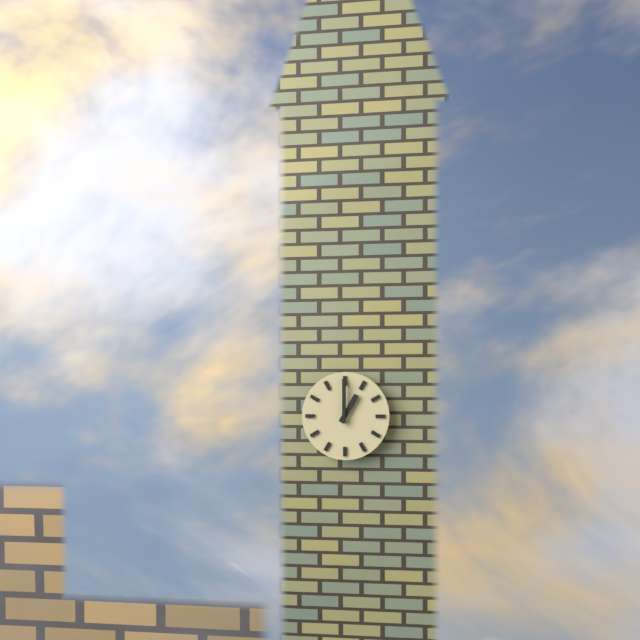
1:00
